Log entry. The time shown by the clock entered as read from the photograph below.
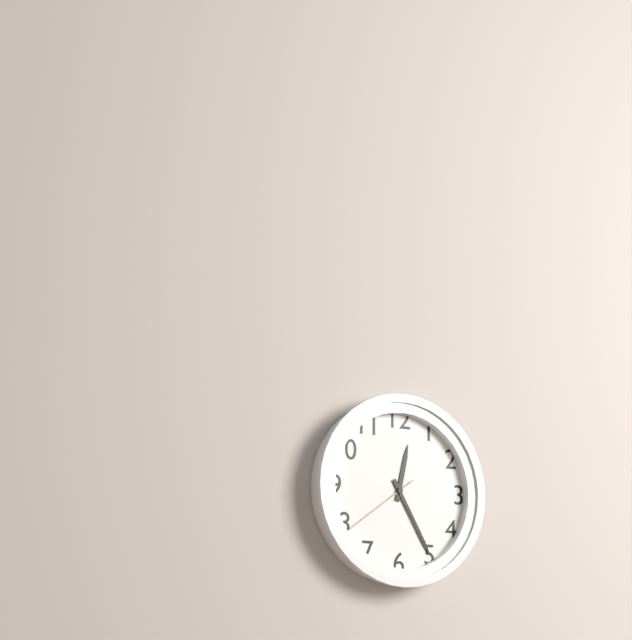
12:25:39
